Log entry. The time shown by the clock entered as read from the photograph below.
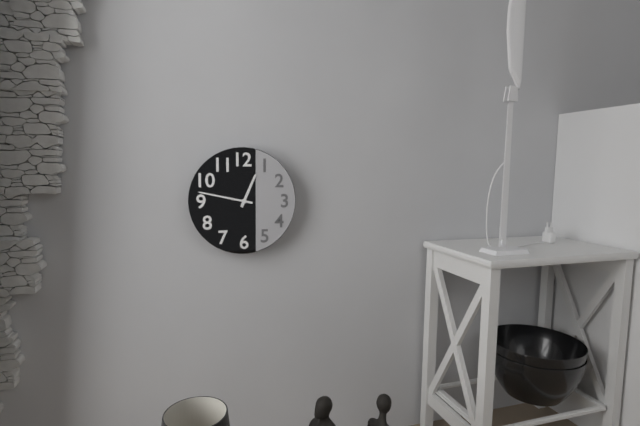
12:47
